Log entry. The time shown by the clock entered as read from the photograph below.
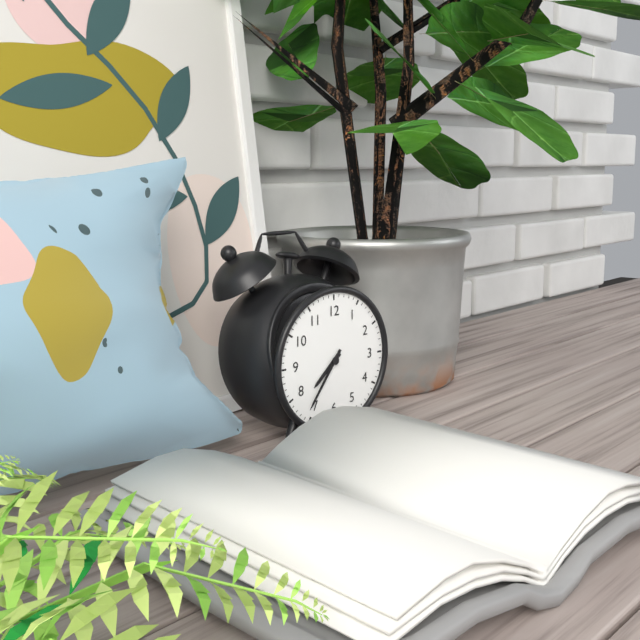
7:36
